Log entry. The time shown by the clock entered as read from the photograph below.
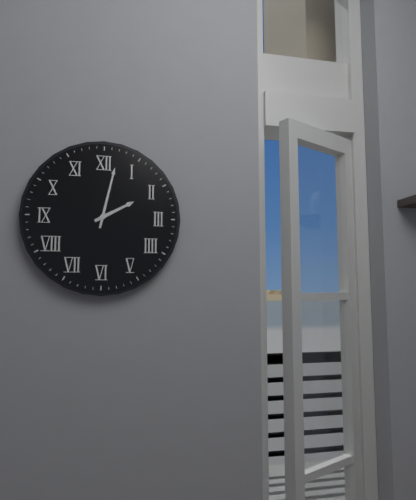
2:02
